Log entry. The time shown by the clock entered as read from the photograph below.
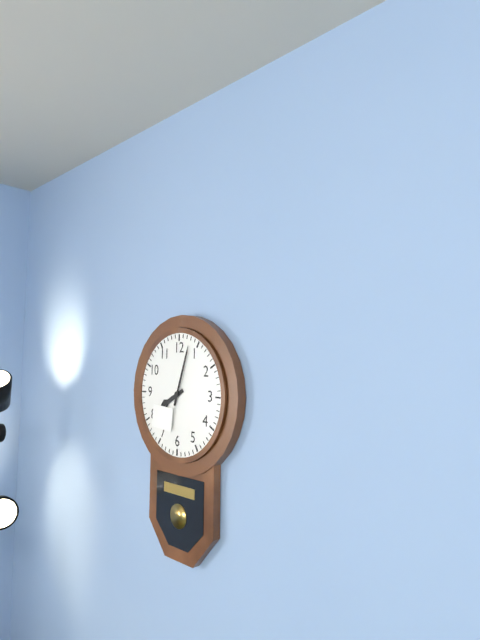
8:03
